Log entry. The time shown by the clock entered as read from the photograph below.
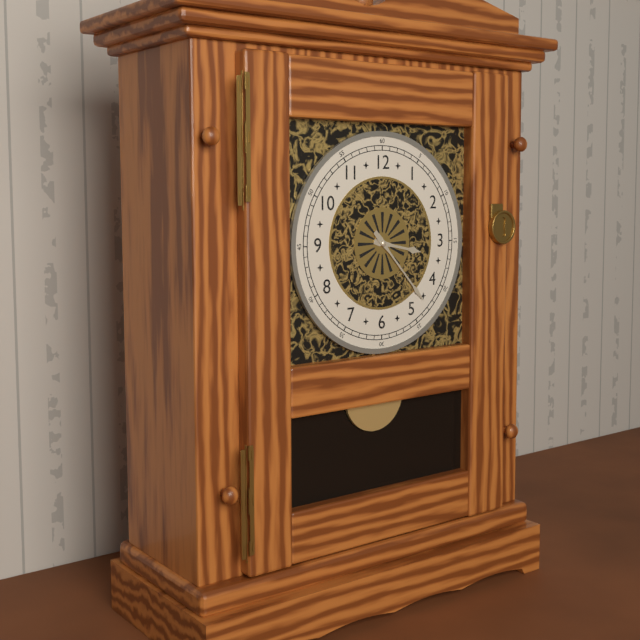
3:23
